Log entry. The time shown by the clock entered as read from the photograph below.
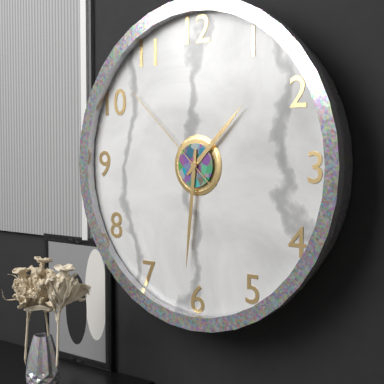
1:31:52
